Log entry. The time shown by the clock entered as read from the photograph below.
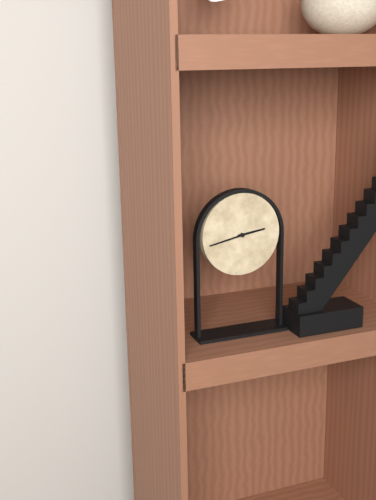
2:43
